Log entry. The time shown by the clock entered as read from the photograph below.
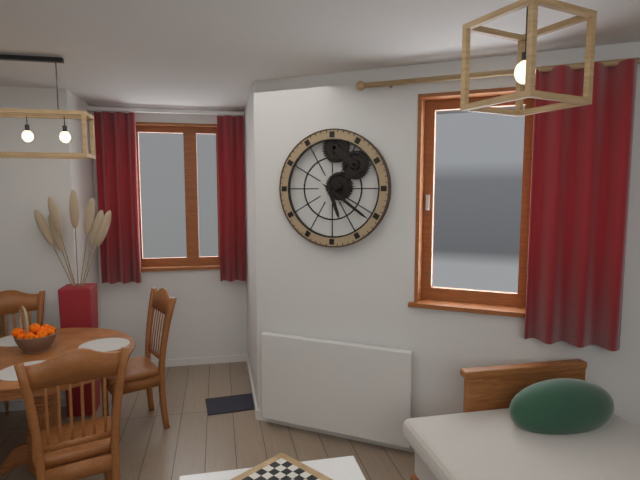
5:21
